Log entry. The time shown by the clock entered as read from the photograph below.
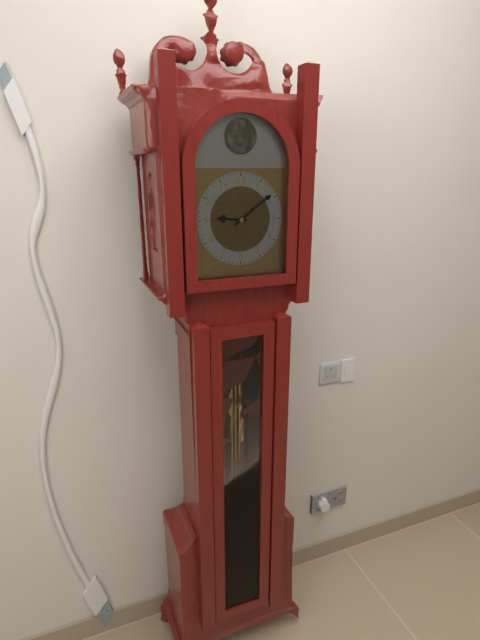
9:09
